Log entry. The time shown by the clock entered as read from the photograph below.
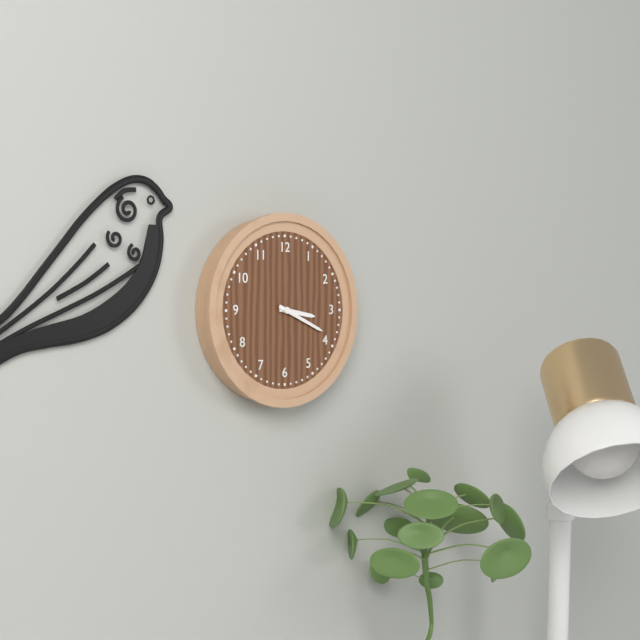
3:19
